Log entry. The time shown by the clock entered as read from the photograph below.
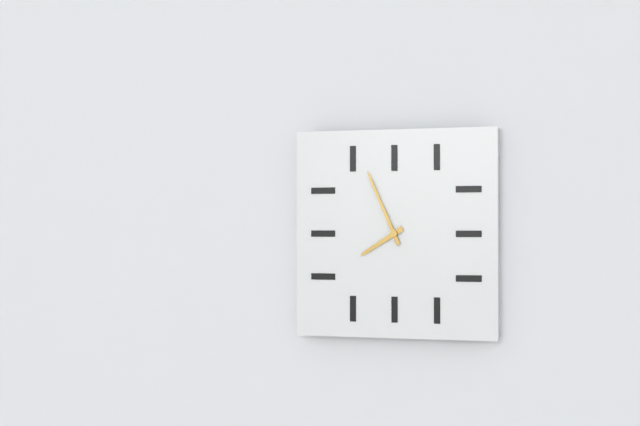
7:56
